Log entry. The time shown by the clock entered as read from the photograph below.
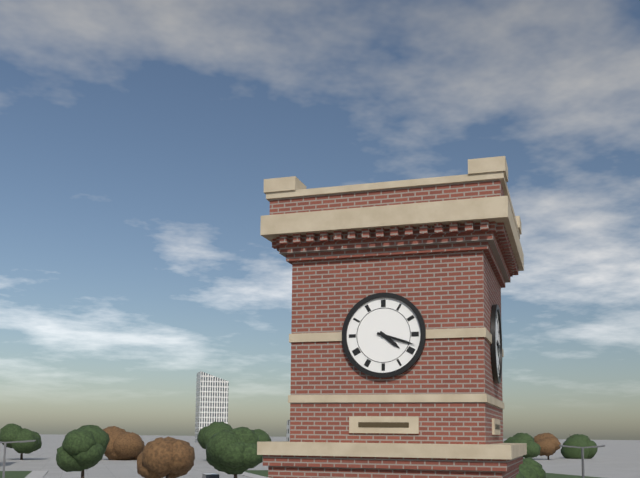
4:18
